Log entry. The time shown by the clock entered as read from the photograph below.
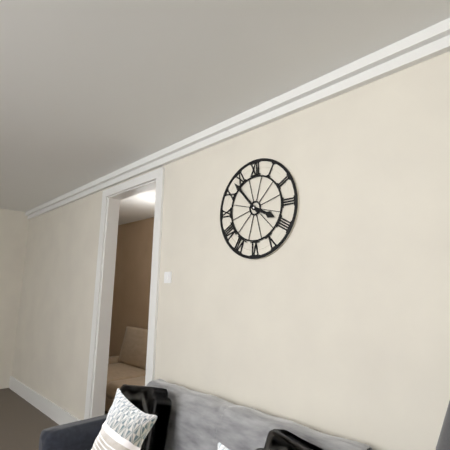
3:53
